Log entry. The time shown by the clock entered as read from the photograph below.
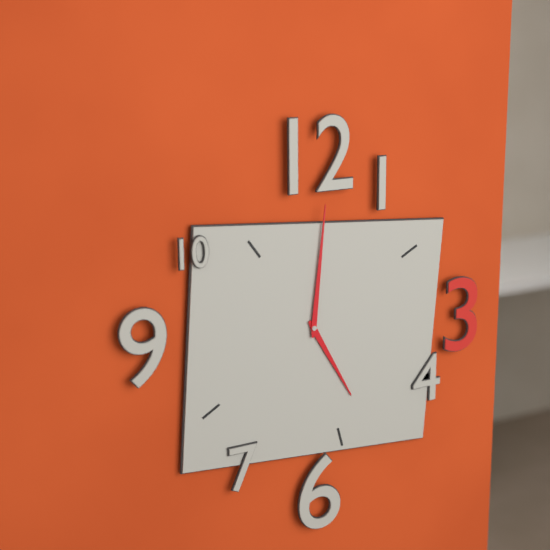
5:01
